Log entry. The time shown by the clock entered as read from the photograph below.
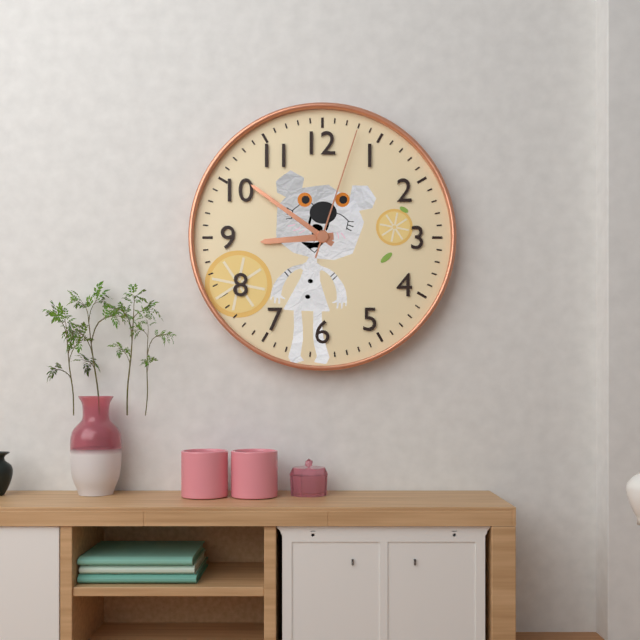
8:51:03
